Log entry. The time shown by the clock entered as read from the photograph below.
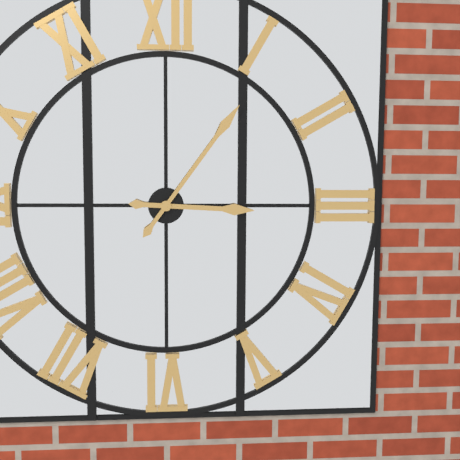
3:06
